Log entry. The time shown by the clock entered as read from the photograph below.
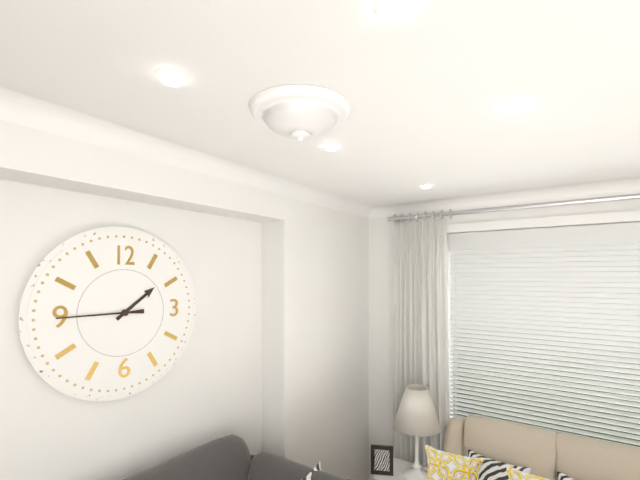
1:45
